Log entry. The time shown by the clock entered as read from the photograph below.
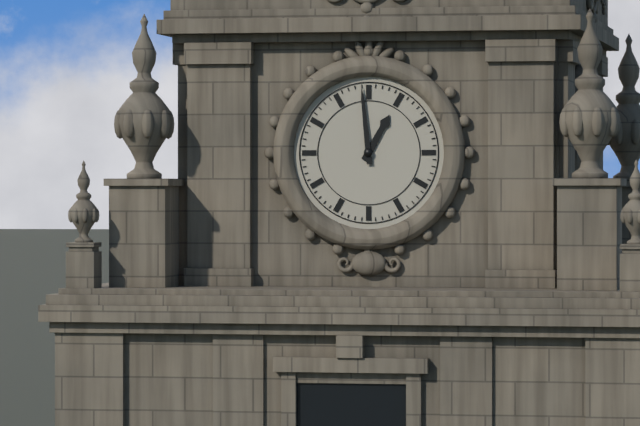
12:59
